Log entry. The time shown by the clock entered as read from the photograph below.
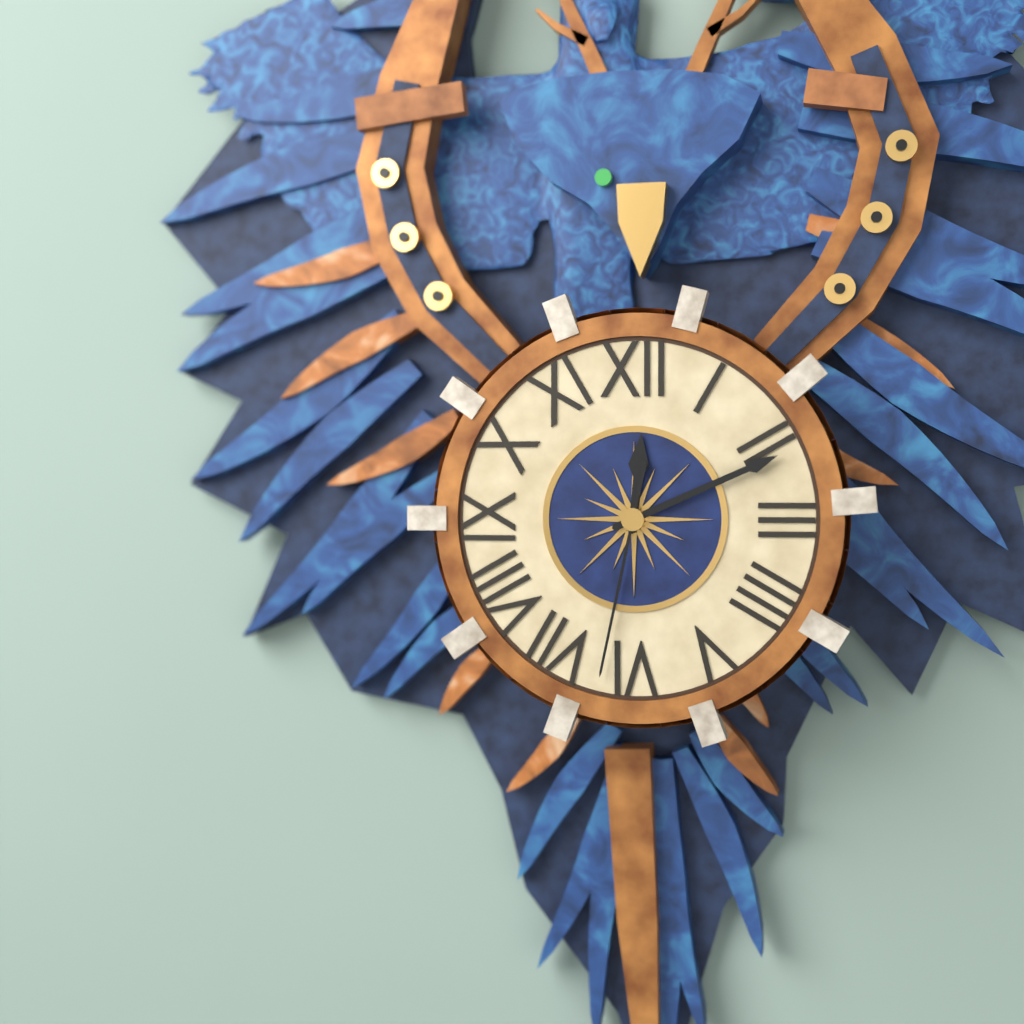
12:11:32
